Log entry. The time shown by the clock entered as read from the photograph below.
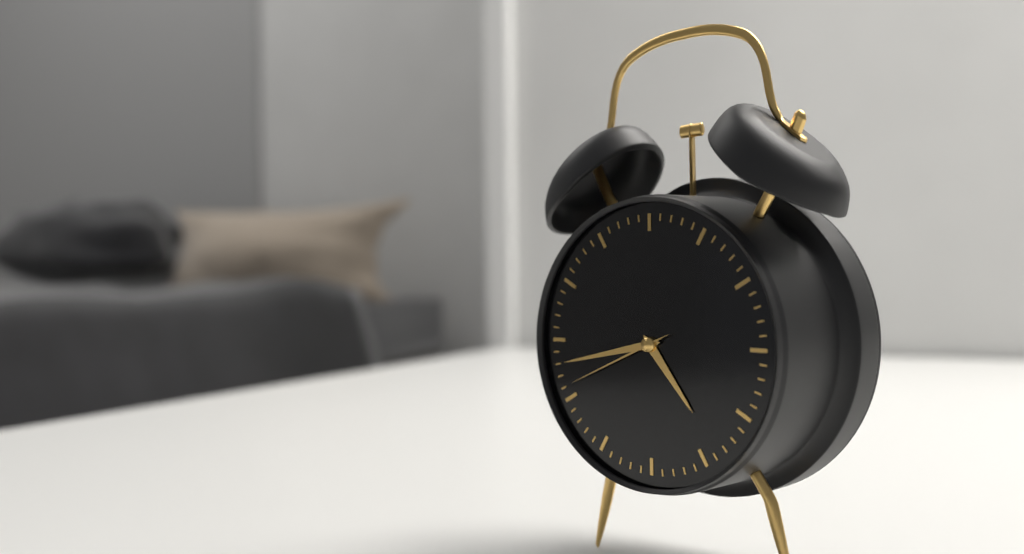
4:43:41
